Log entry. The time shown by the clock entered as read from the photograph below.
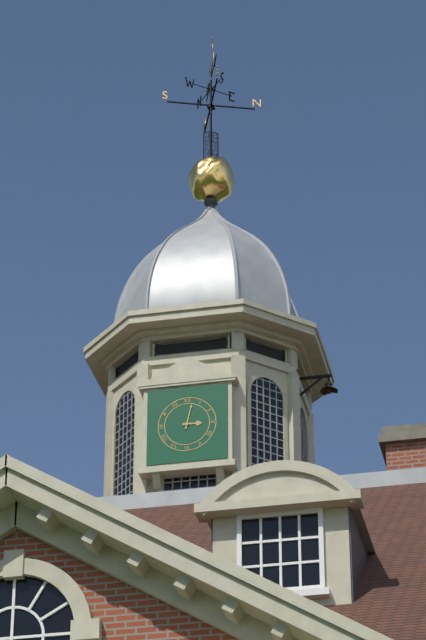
3:02
